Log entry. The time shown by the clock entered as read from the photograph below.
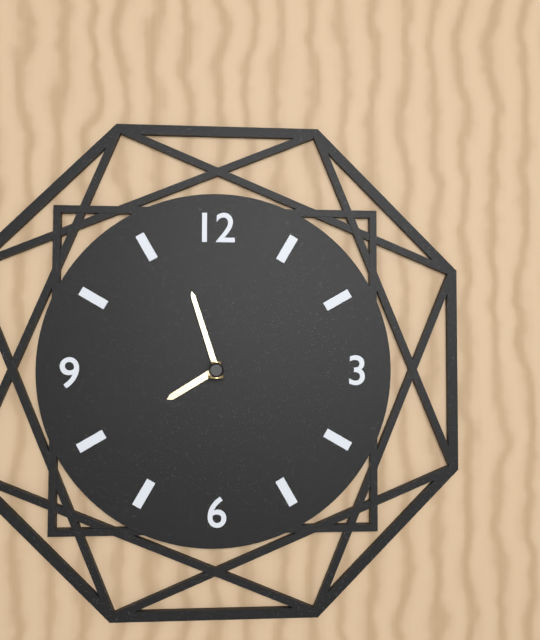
7:57
